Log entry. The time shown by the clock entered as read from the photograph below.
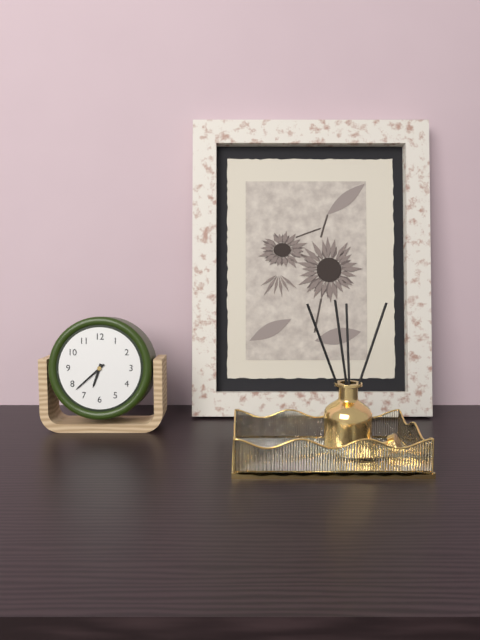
6:38
